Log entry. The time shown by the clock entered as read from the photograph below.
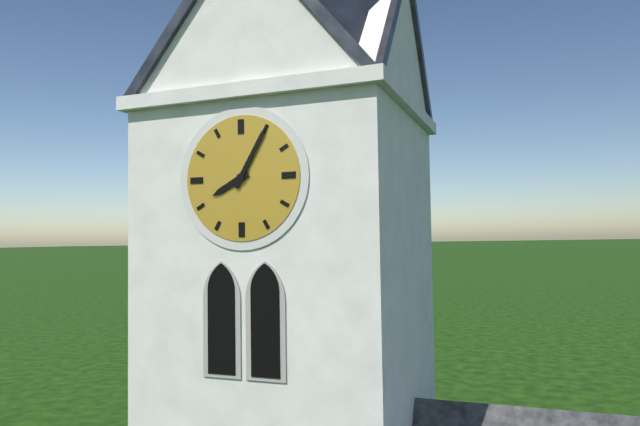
8:05
